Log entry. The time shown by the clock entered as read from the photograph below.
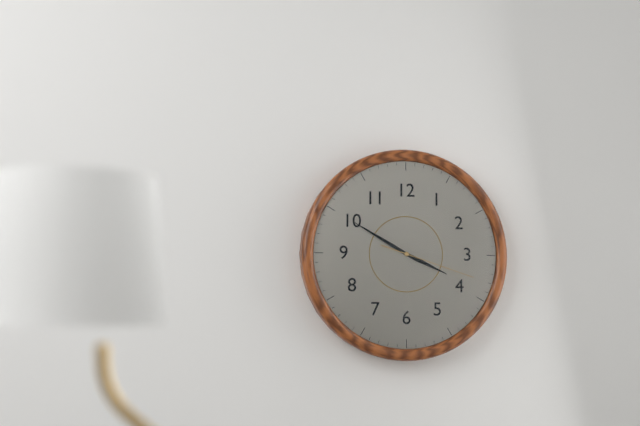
3:50:18
